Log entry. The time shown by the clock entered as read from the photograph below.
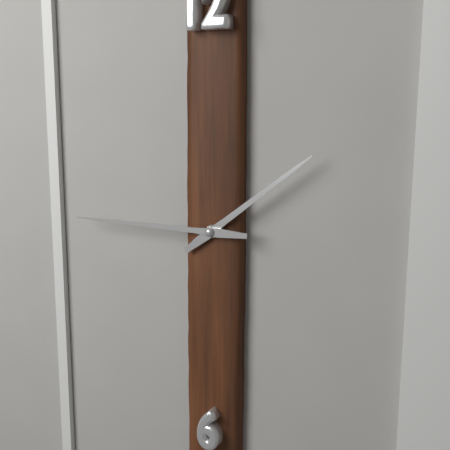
1:45
